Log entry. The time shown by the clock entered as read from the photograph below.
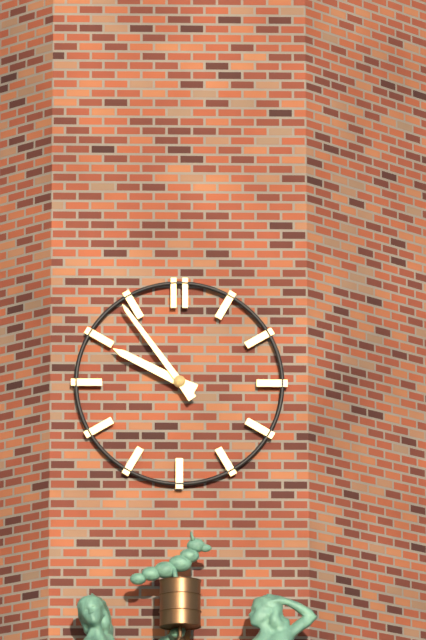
9:54
